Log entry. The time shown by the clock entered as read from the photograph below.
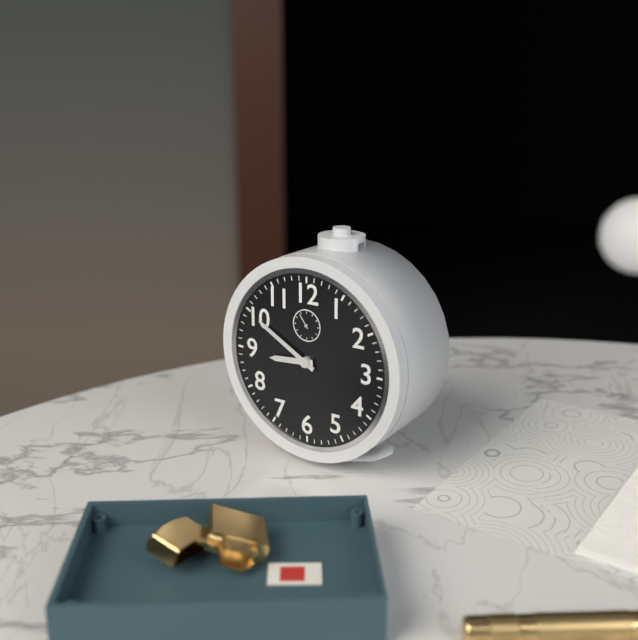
8:50
